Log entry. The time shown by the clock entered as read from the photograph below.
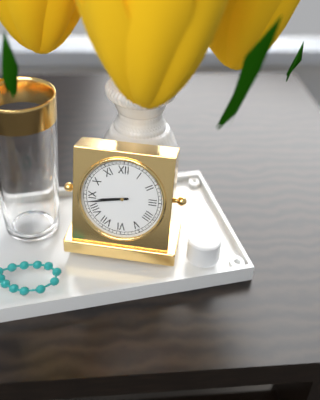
8:43
